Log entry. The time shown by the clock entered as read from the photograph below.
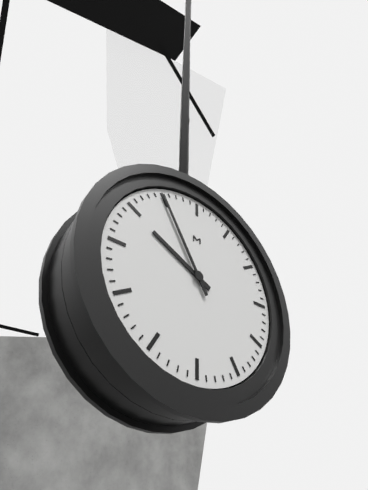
9:55
